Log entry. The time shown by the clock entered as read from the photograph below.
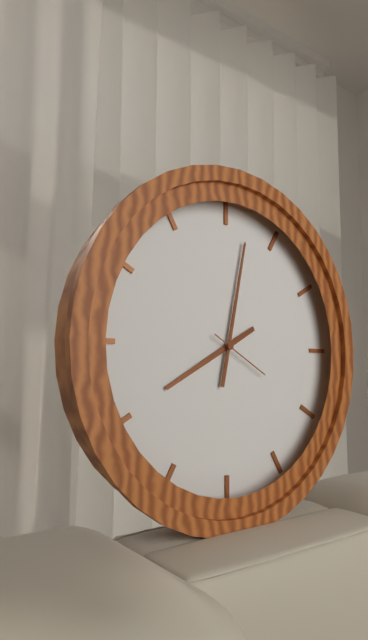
8:02:20
